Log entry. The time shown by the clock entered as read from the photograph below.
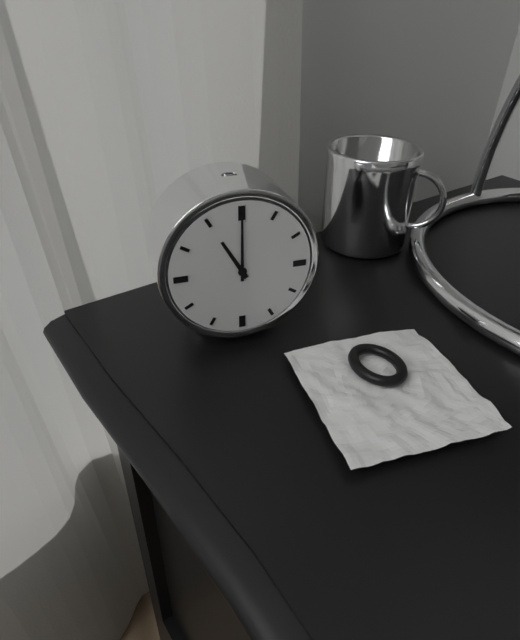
11:00
